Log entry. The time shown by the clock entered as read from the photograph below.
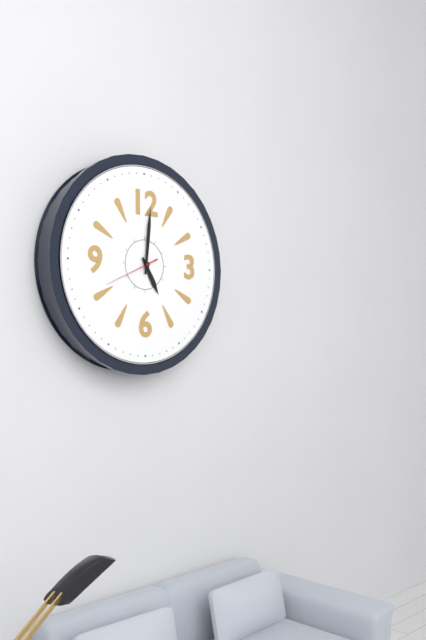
5:01:41
